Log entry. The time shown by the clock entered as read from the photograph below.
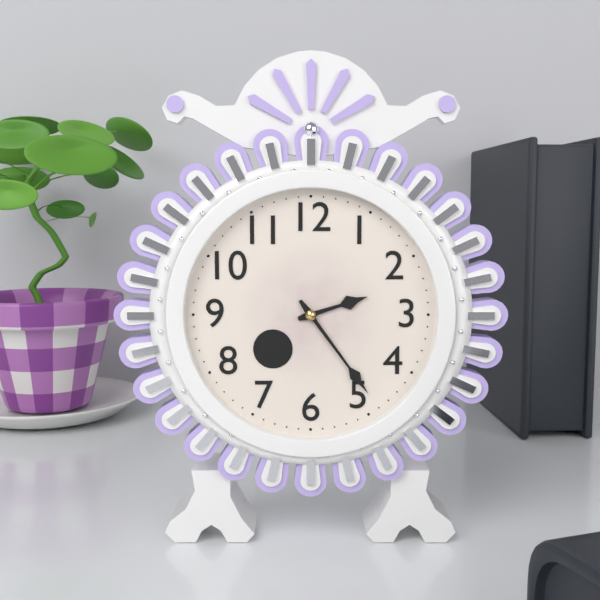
2:24
